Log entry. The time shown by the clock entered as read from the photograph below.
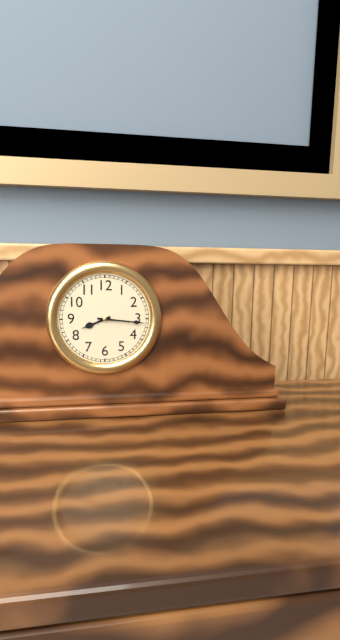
8:16
